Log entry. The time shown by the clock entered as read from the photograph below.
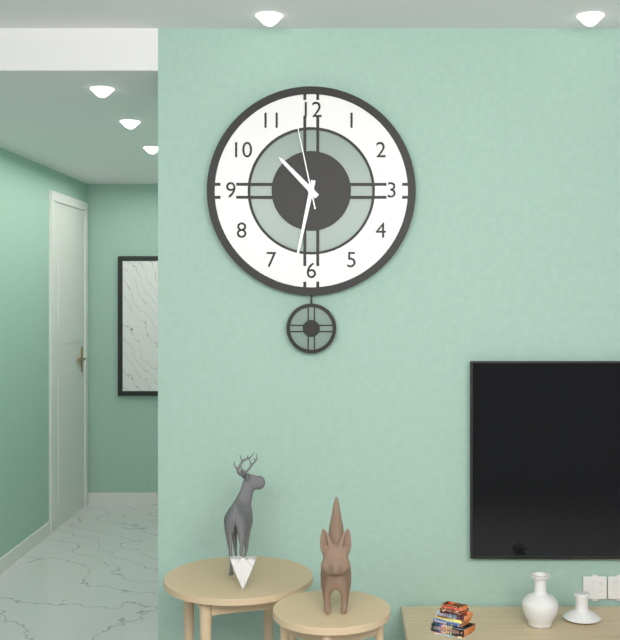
10:32:58
